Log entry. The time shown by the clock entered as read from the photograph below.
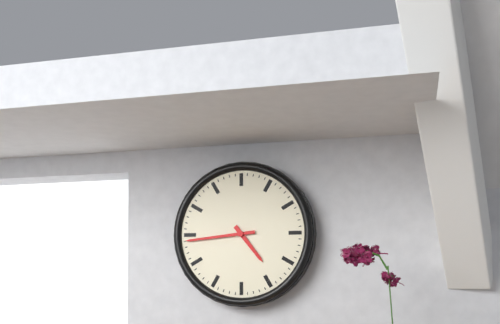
4:44
